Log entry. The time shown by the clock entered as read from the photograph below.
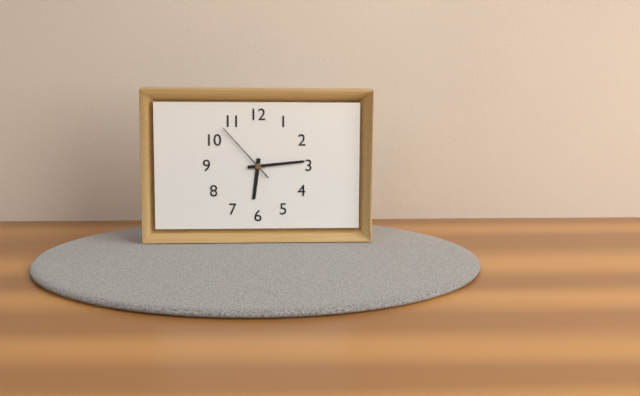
6:14:53
